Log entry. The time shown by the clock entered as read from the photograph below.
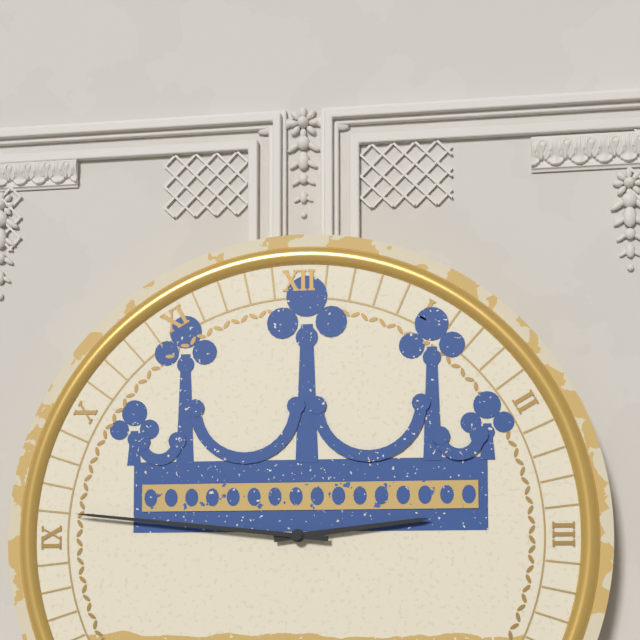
2:46
